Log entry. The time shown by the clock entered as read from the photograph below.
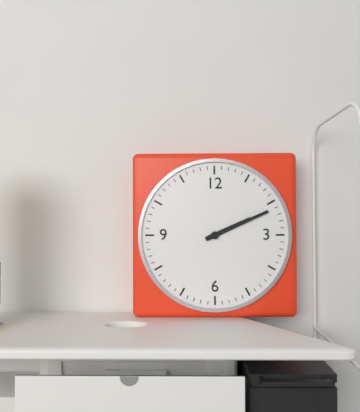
2:11
